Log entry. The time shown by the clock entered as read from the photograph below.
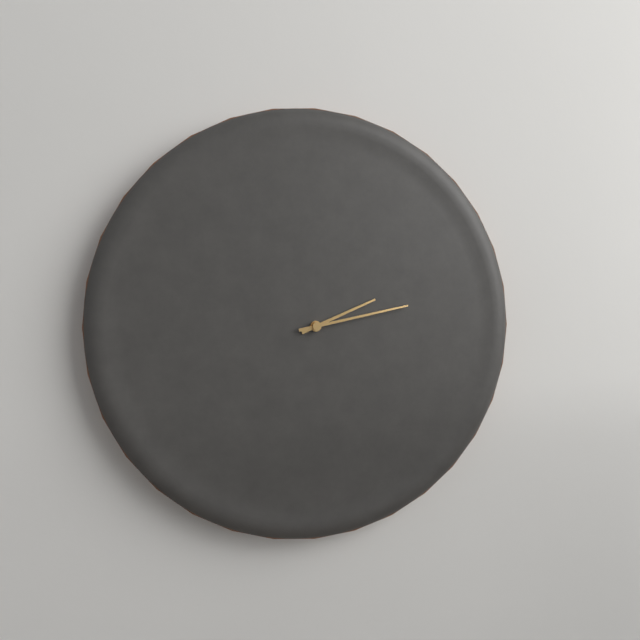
2:13
